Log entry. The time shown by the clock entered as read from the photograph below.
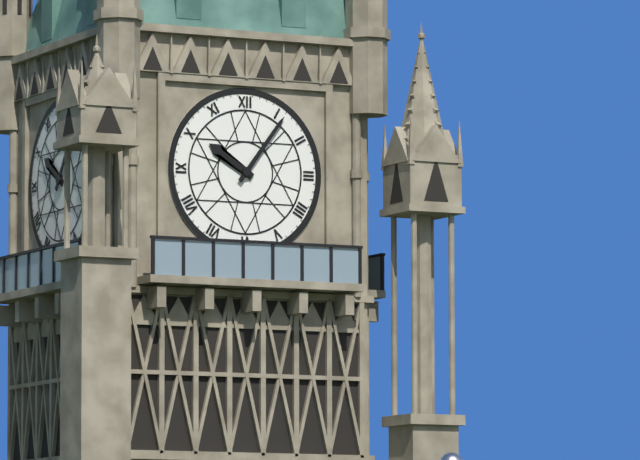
10:06
